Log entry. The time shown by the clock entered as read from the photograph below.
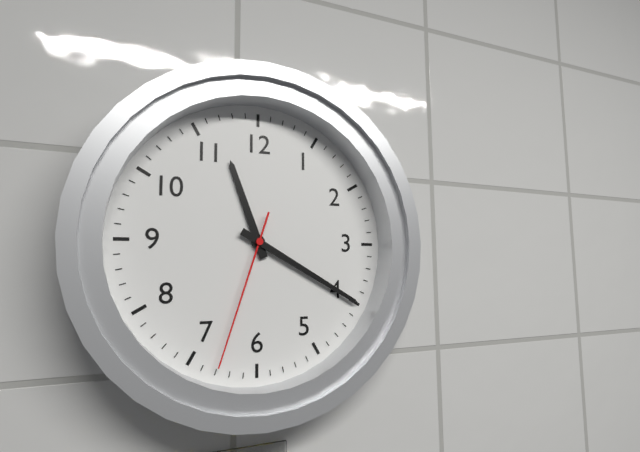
11:20:33
